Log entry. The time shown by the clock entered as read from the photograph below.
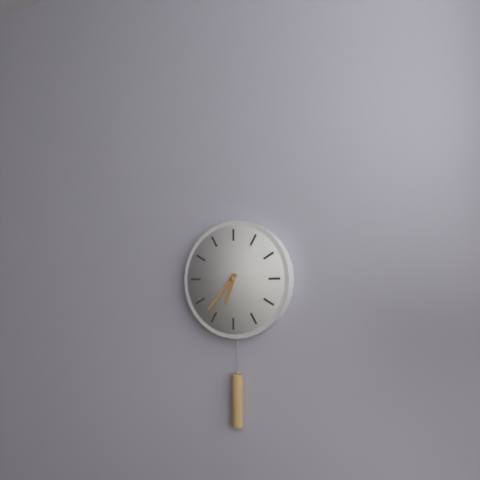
6:37
